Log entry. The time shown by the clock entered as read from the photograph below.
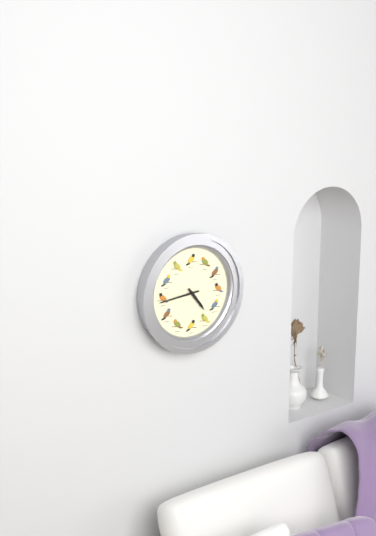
4:44
